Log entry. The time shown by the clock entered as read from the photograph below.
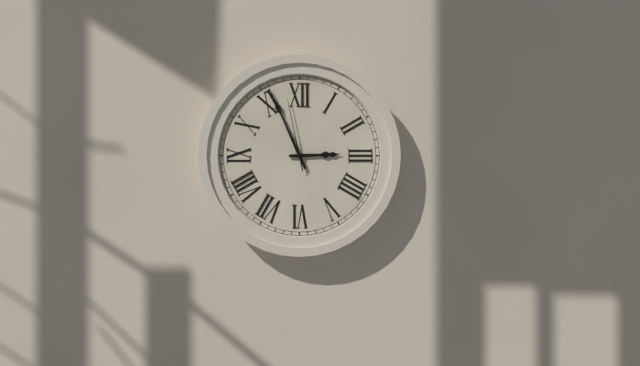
2:56:58
